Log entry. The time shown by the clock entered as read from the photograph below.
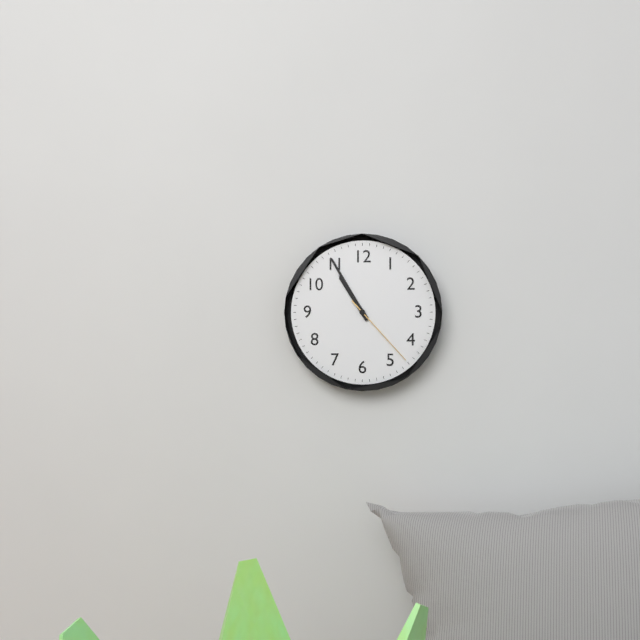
10:55:23
